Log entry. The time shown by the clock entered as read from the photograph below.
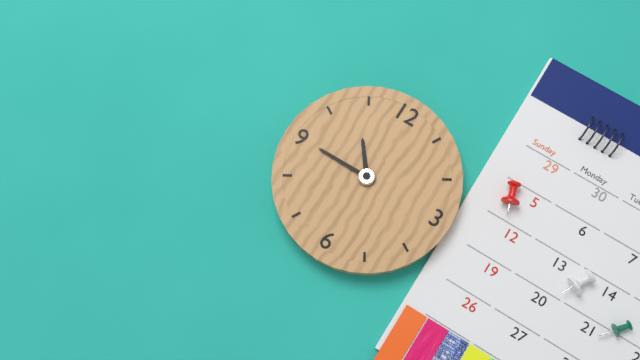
10:45
